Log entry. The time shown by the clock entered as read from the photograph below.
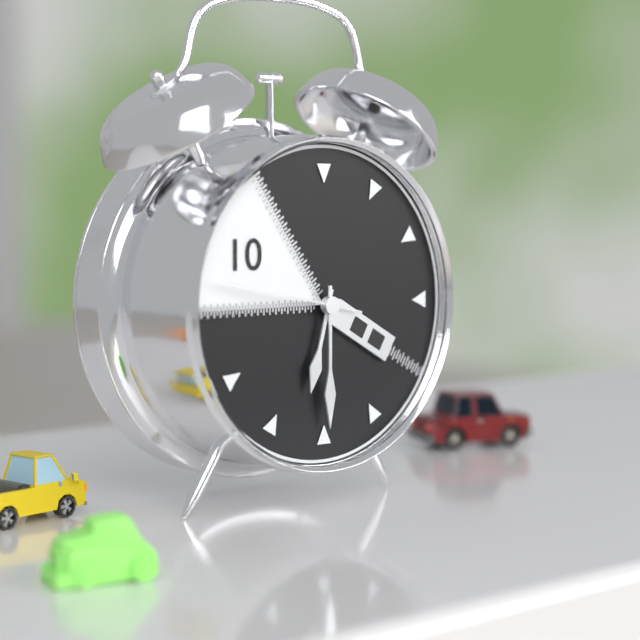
6:30:47
